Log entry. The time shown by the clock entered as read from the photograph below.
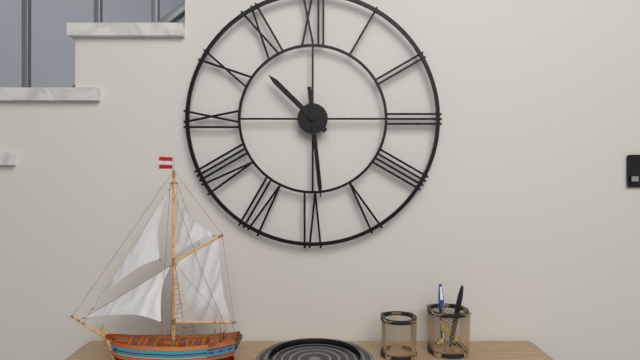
10:29
